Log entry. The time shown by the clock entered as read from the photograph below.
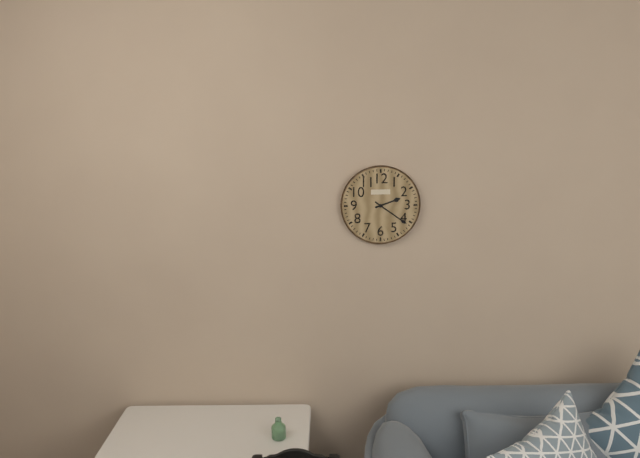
2:21
